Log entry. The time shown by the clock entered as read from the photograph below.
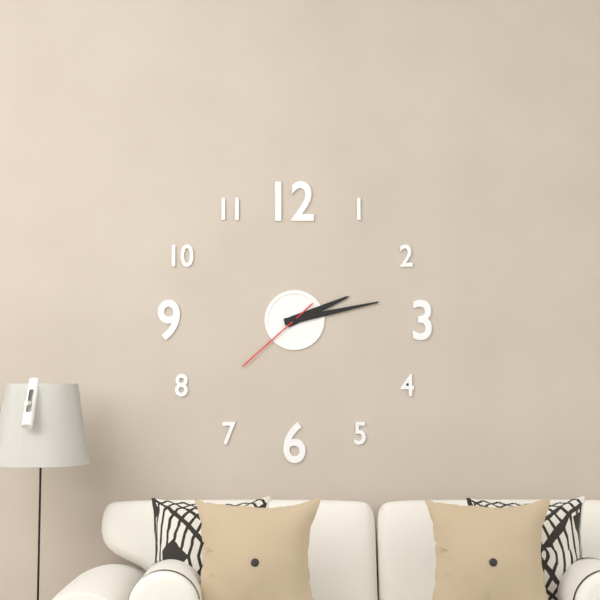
2:13:38
